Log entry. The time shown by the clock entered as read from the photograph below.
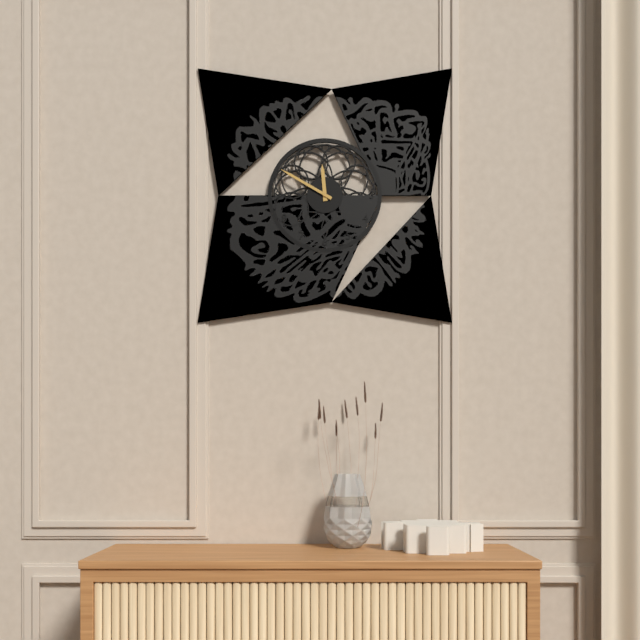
11:50
